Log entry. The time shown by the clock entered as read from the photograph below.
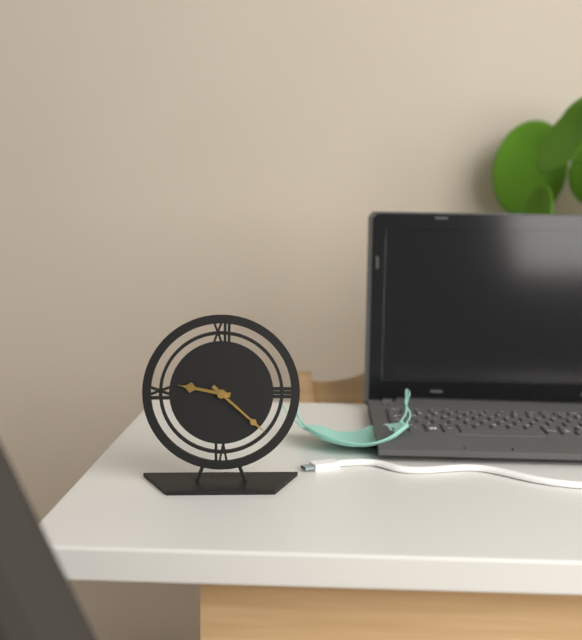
9:22
